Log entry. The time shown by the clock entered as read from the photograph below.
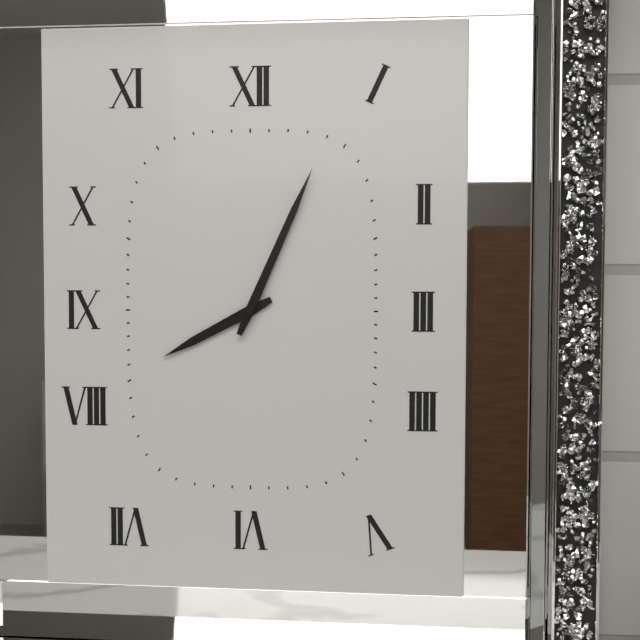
8:04
